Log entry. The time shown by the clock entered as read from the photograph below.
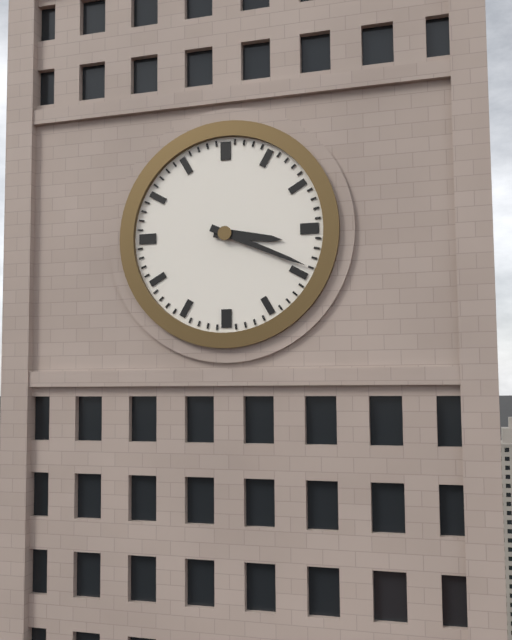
3:19
